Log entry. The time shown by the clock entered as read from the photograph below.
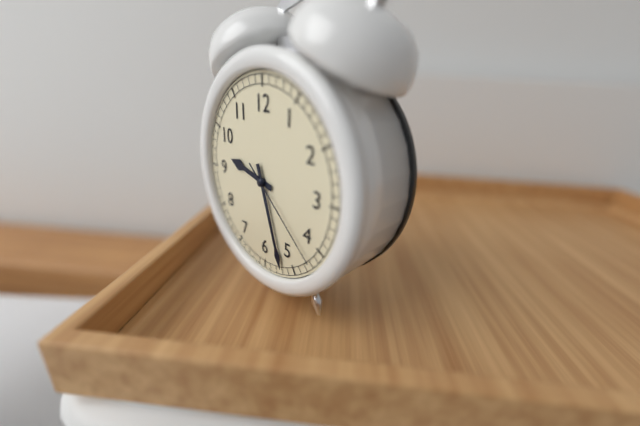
9:27:22
